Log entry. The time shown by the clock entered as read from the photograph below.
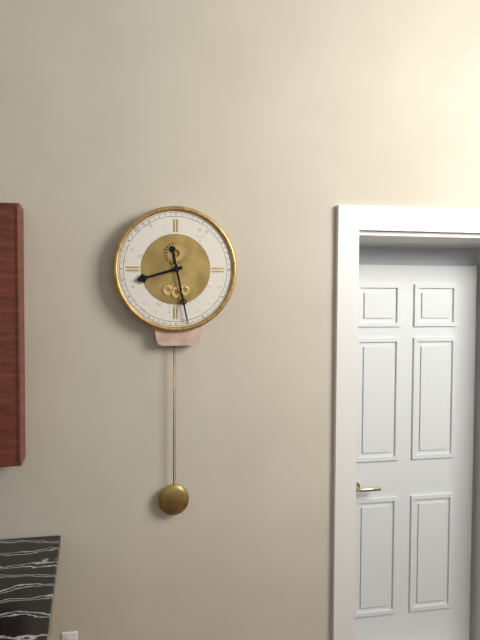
8:28
